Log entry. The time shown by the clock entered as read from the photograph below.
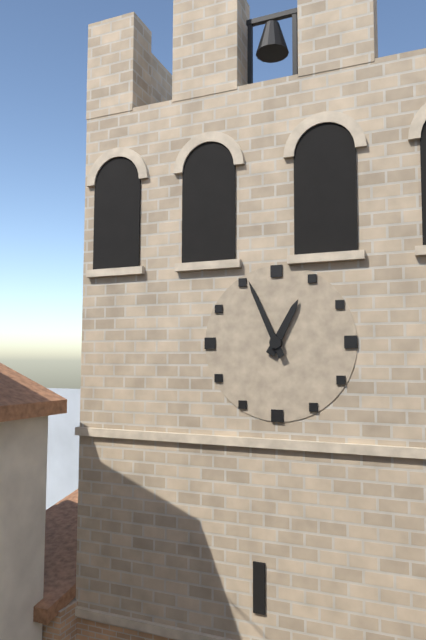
12:56
